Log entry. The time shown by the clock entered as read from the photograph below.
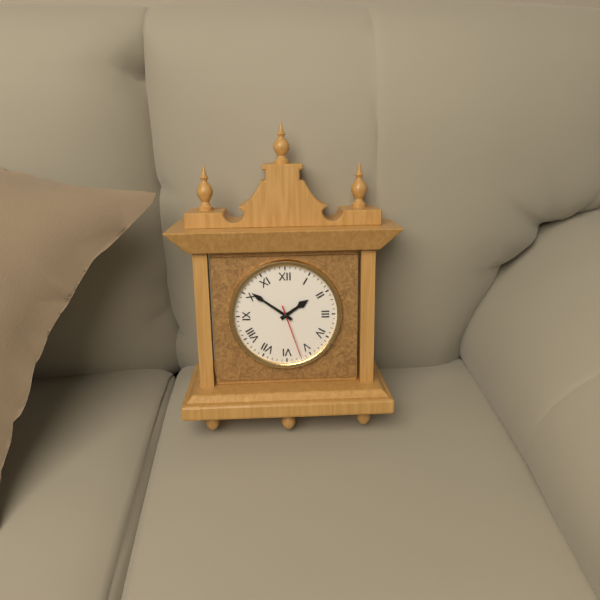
1:51:27
